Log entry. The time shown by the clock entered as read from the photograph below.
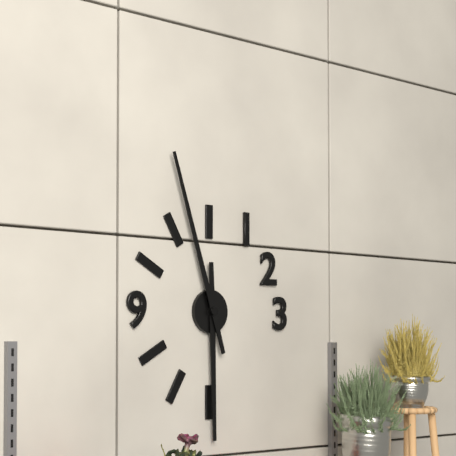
5:57
